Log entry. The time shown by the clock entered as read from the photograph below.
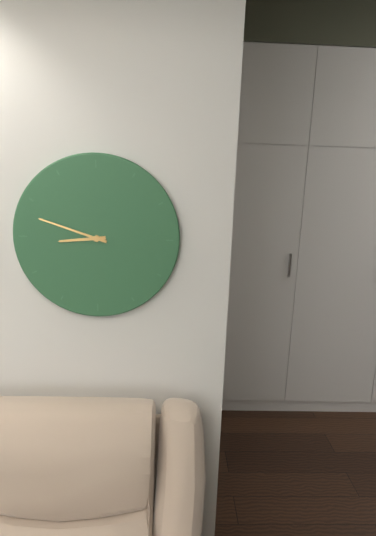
8:48
